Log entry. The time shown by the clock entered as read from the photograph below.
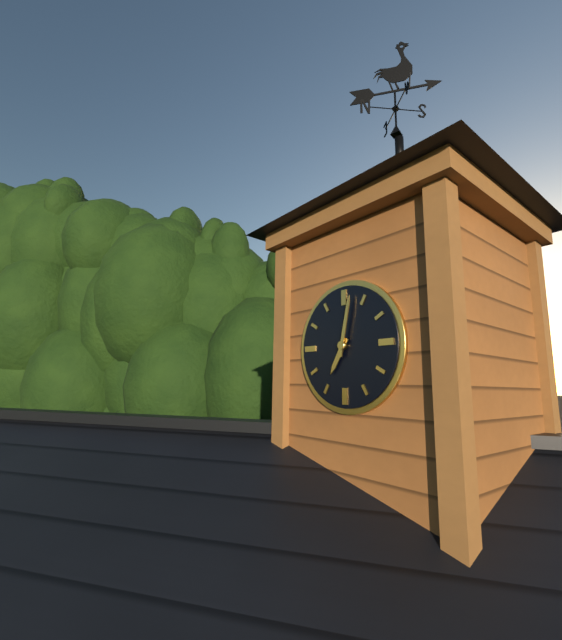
7:02
